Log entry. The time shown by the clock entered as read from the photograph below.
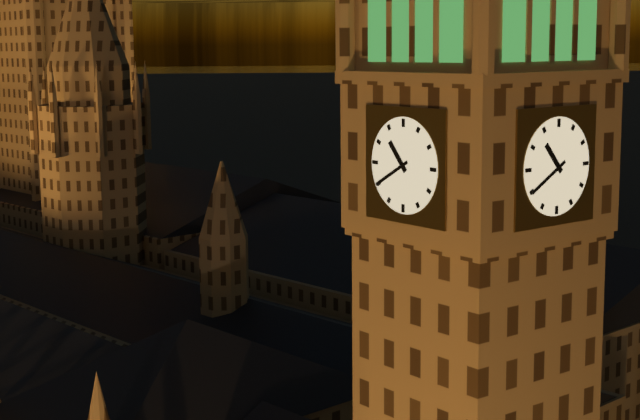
10:40
